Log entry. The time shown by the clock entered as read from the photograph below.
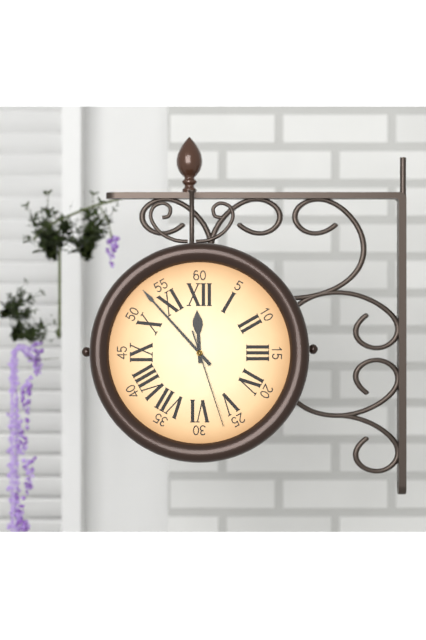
11:53:27
